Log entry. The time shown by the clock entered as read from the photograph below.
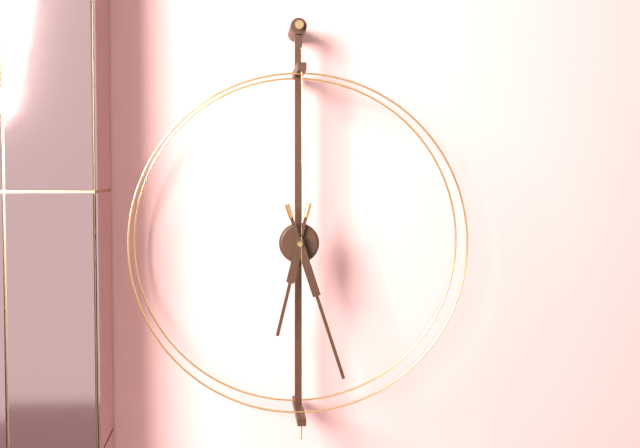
6:27
